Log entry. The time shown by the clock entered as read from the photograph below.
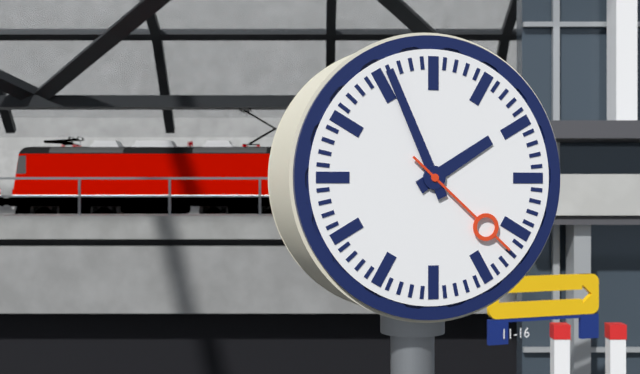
1:56:22
